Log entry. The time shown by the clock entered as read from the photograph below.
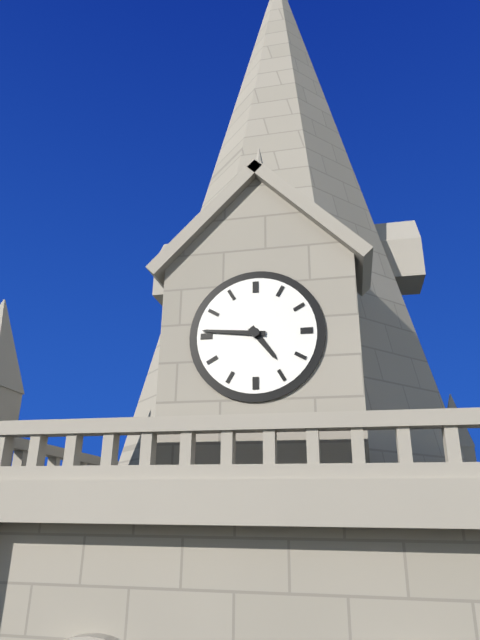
4:46
